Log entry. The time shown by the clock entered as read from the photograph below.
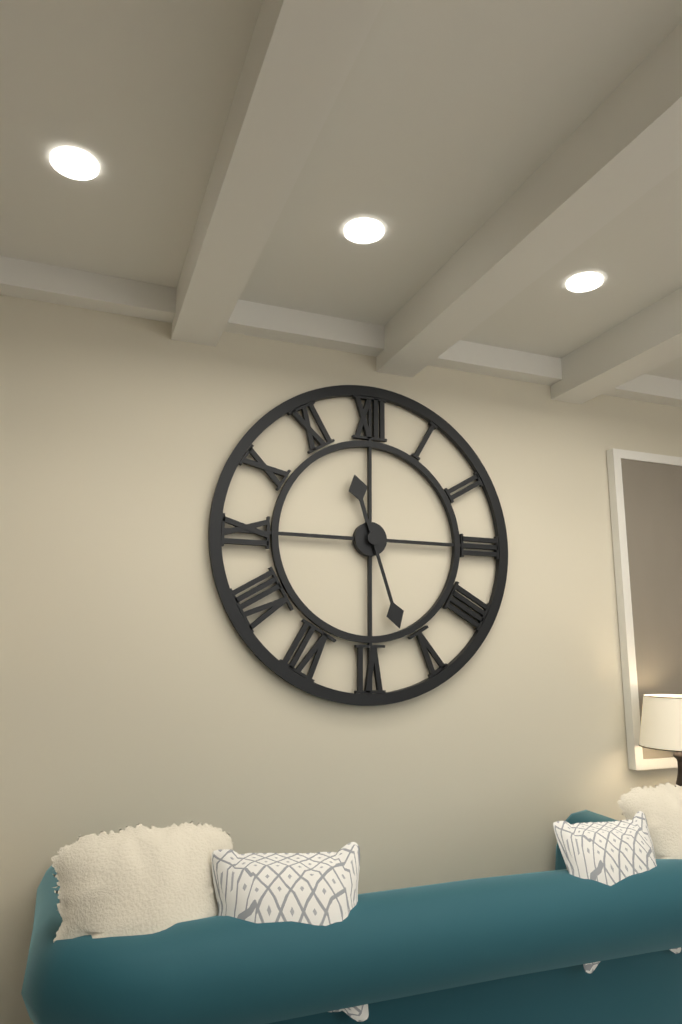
11:27
